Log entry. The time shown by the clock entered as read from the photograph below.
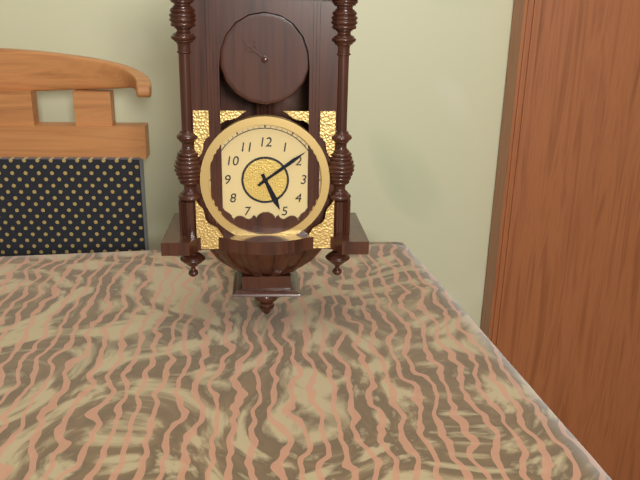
5:09
